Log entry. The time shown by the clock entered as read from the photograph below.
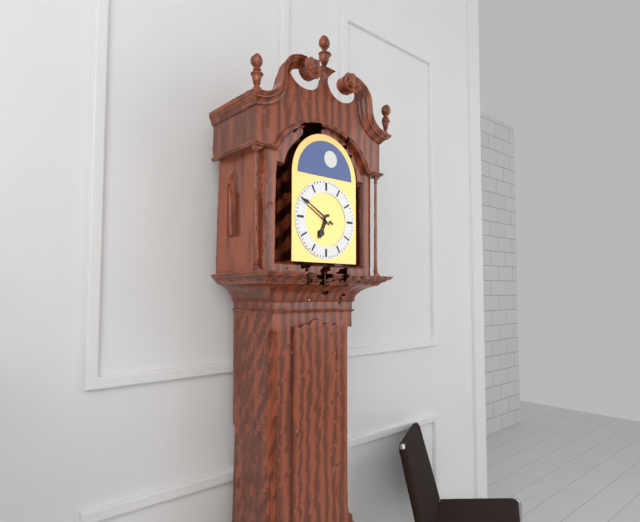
6:50
